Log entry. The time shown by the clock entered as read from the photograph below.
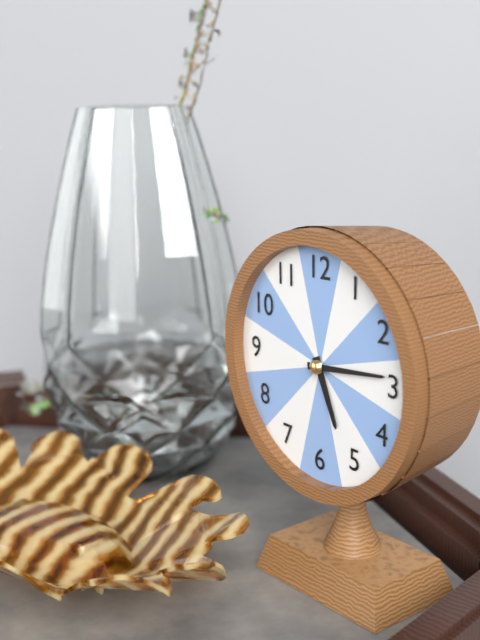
5:14
